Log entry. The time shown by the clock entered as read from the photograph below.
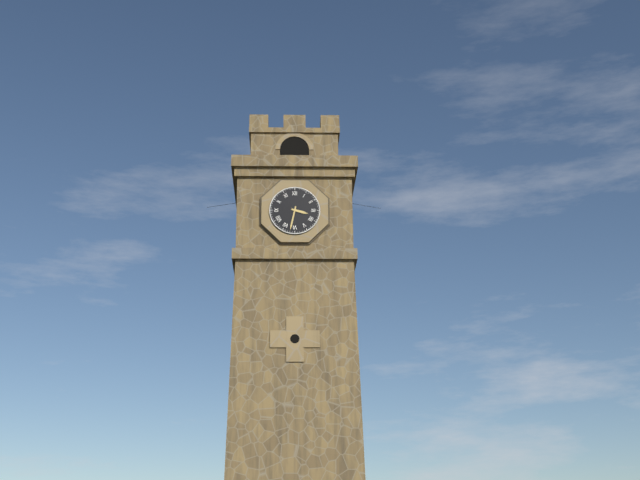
3:32
